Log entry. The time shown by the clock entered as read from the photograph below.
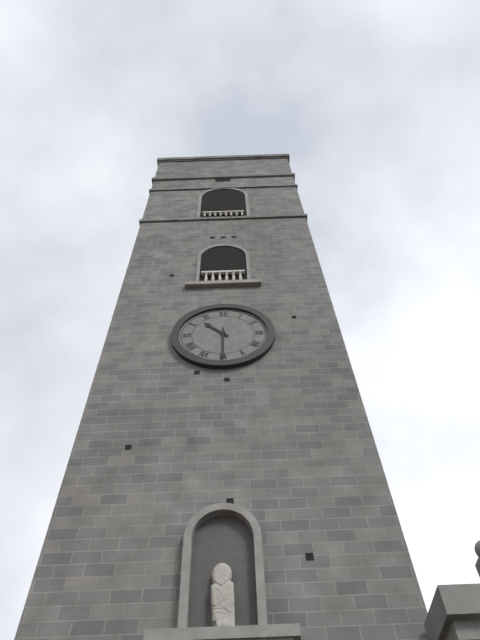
10:30
